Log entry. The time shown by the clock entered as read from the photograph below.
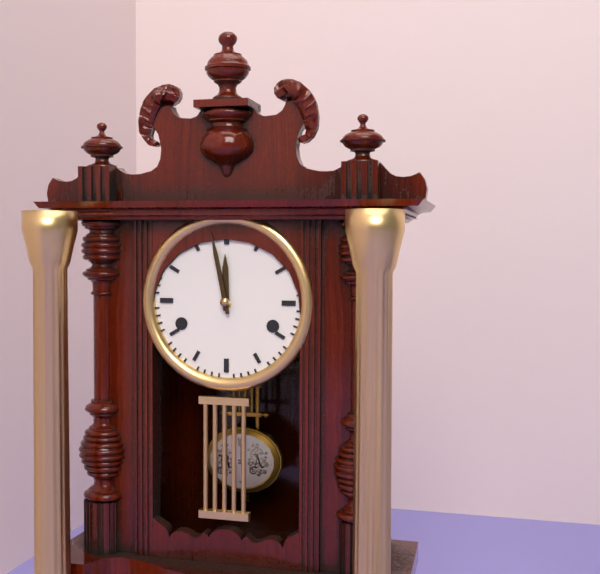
11:58
